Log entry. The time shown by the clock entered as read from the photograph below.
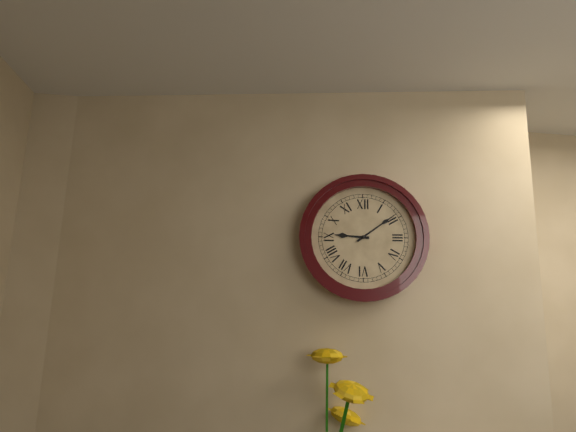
9:09
